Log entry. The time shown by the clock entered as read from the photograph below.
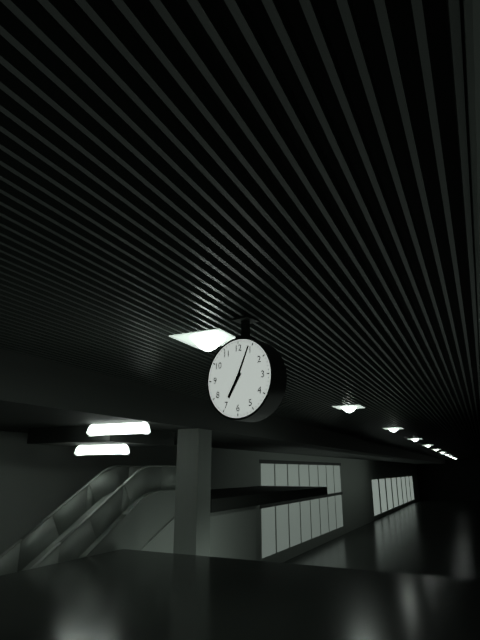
7:04
